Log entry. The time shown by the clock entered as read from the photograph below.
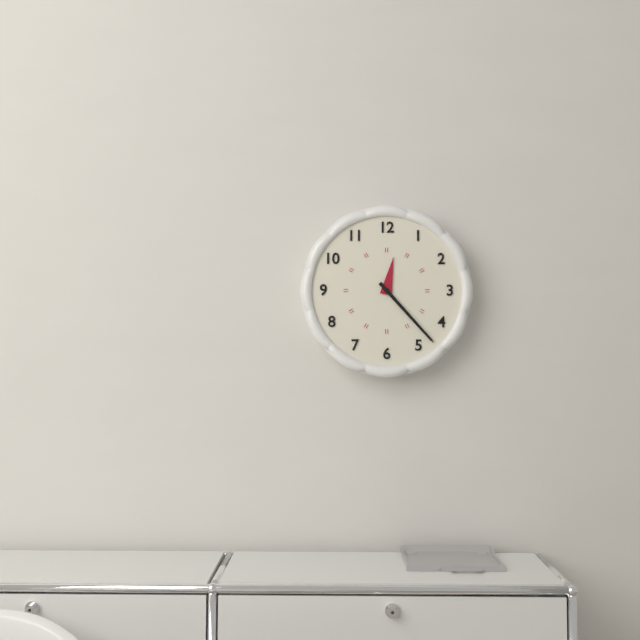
12:23
